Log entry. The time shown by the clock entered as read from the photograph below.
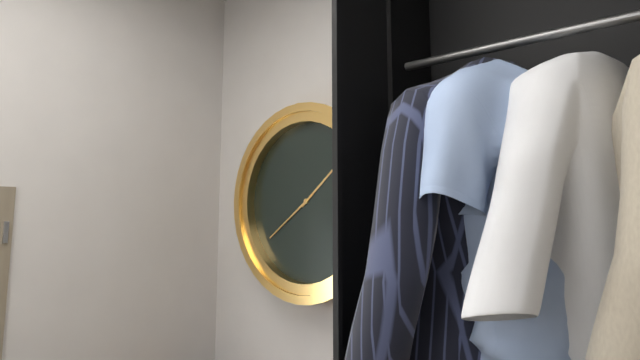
1:39
